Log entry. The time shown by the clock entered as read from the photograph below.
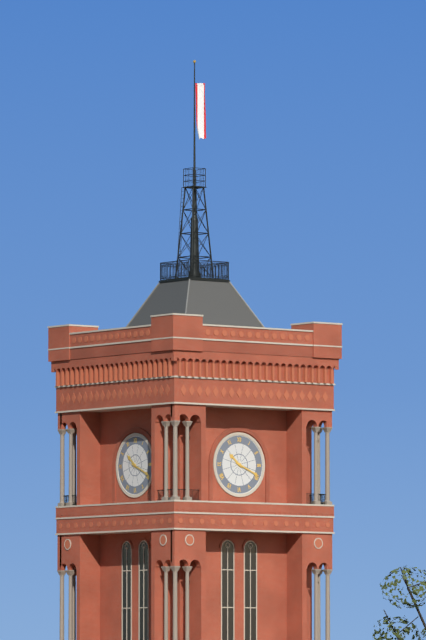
10:19
